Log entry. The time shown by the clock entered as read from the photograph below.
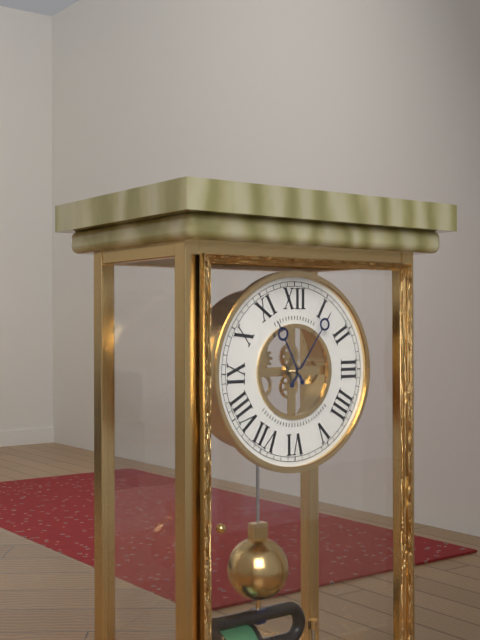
11:06
